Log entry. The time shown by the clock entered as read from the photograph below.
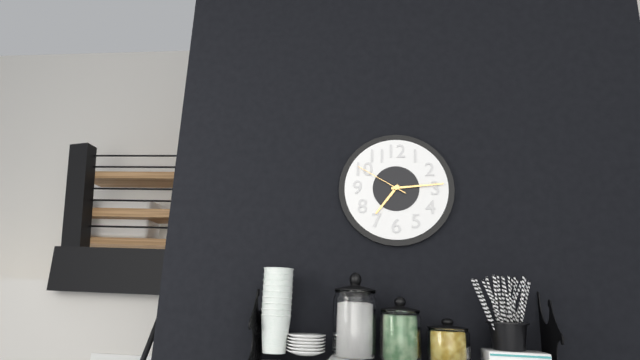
7:14:50
